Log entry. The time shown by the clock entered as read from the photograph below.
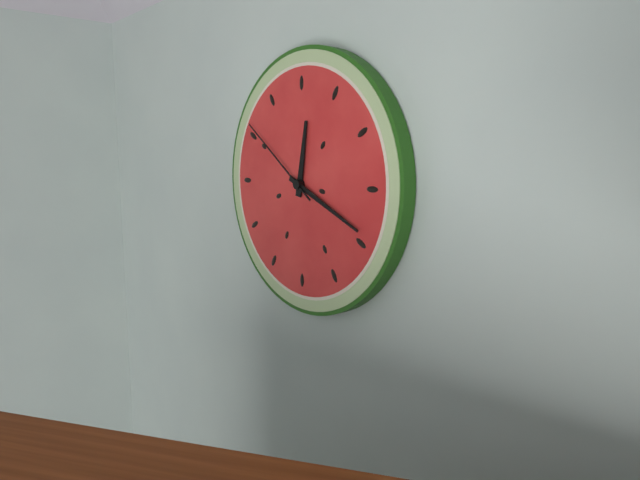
12:19:51
